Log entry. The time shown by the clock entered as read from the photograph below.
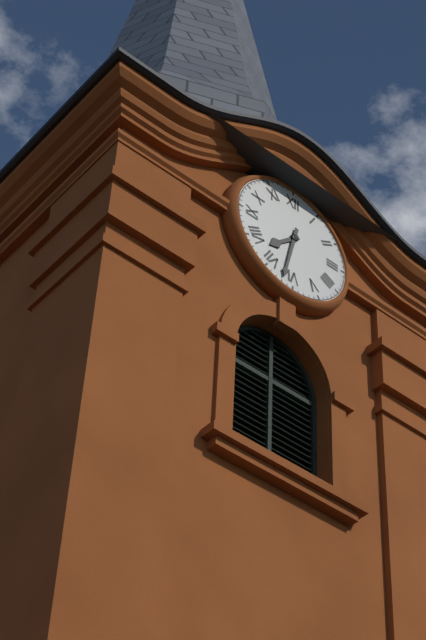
7:32
